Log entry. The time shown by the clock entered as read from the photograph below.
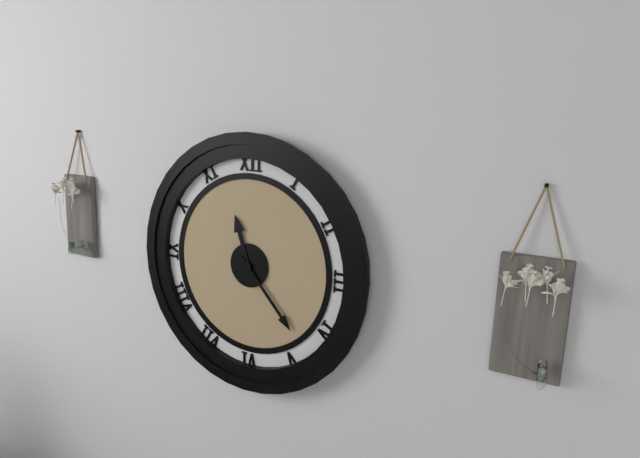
11:23
